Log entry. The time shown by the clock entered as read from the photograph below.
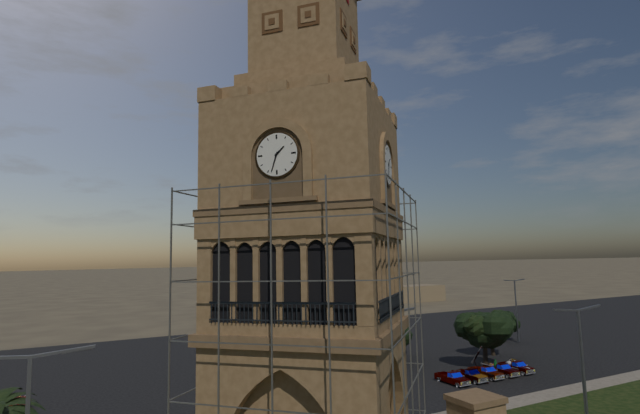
1:33
